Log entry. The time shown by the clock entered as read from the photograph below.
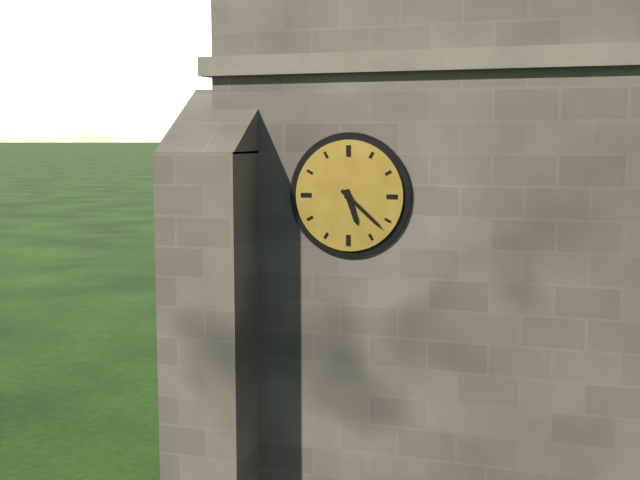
5:22
